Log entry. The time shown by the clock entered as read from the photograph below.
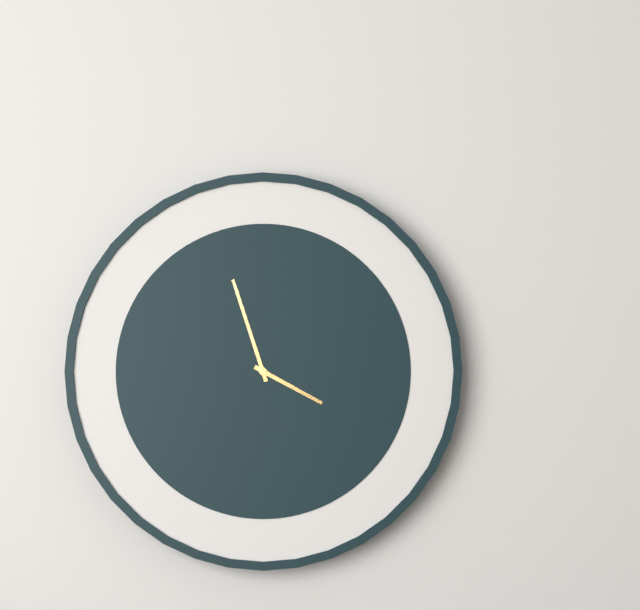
3:57
